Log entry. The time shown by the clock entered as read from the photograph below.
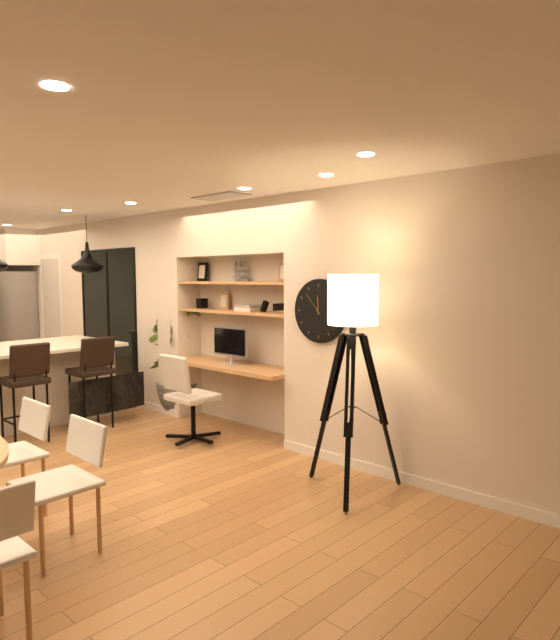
11:53
